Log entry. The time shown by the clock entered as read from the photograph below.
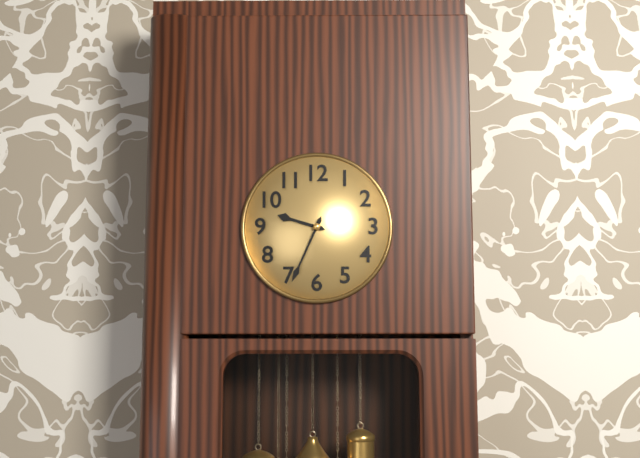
9:34
